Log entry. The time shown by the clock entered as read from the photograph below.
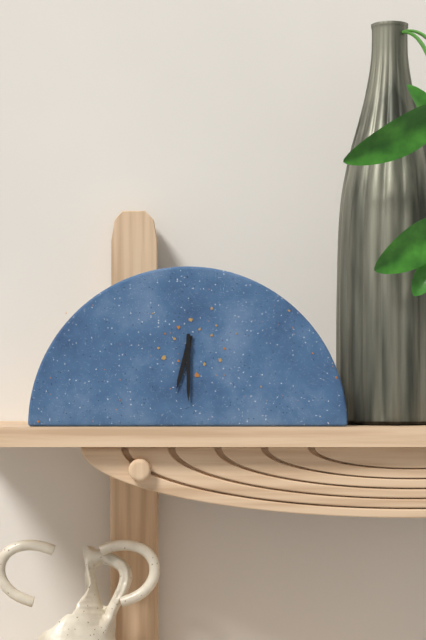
6:30
